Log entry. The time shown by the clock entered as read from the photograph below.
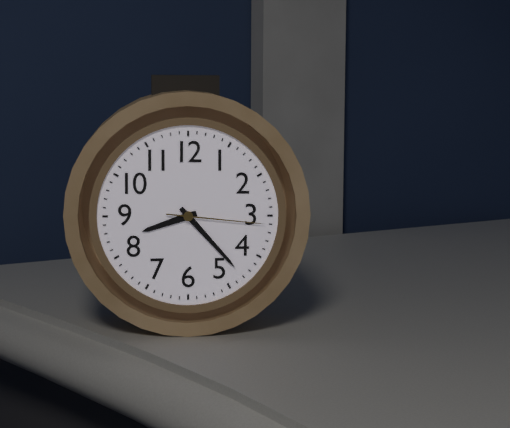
8:23:16
